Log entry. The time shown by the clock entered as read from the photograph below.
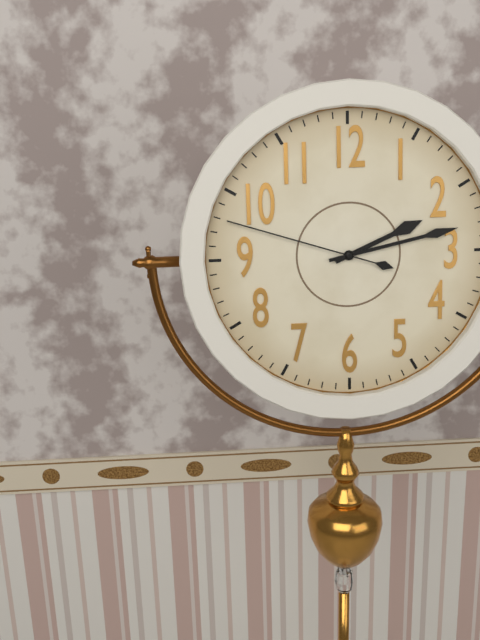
2:13:48
